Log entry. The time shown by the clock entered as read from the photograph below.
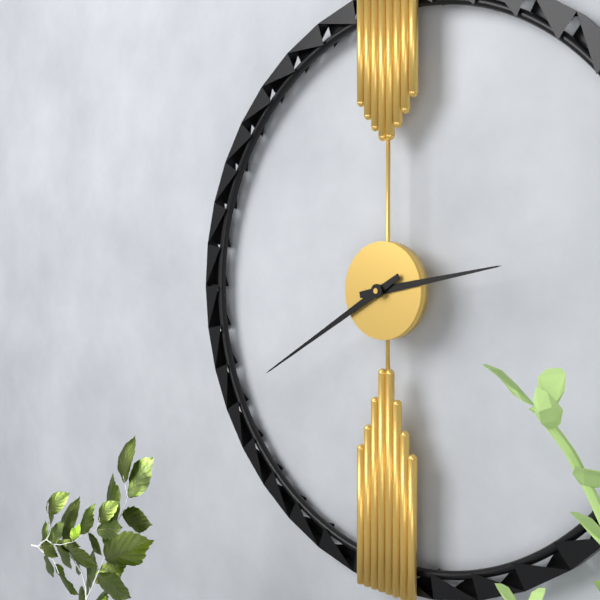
2:40
